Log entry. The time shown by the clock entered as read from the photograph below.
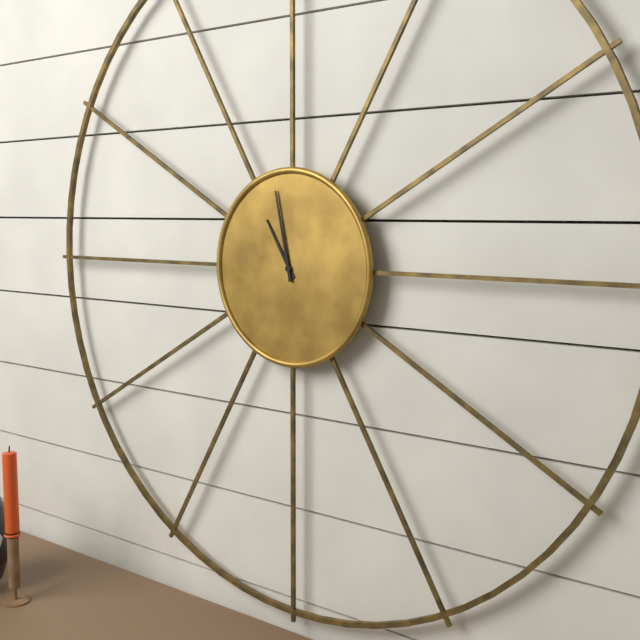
10:58
